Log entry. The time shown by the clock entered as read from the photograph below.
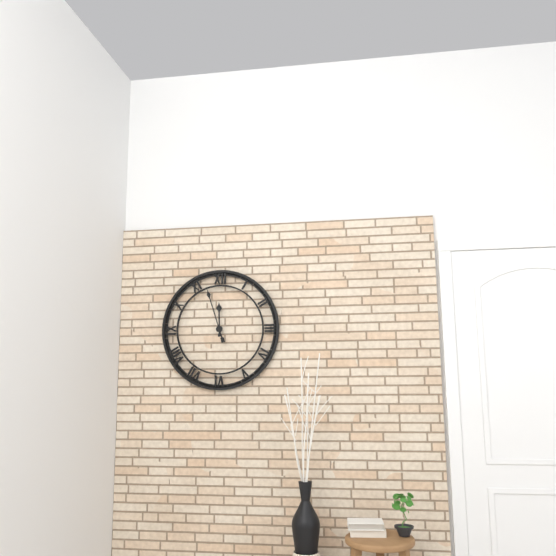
11:57
